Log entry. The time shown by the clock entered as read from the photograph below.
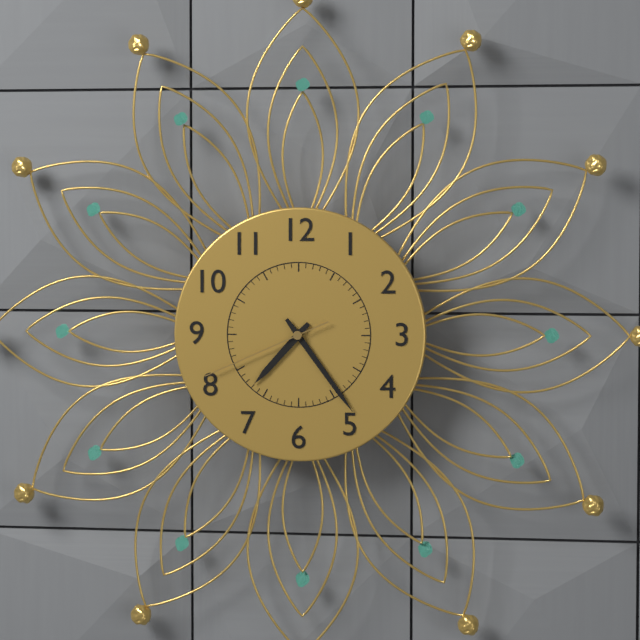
7:24:41
